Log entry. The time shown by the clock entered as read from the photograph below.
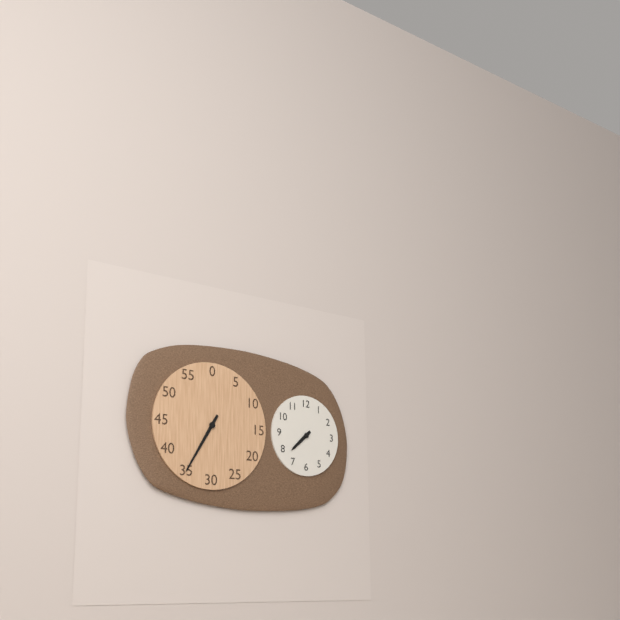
7:35
